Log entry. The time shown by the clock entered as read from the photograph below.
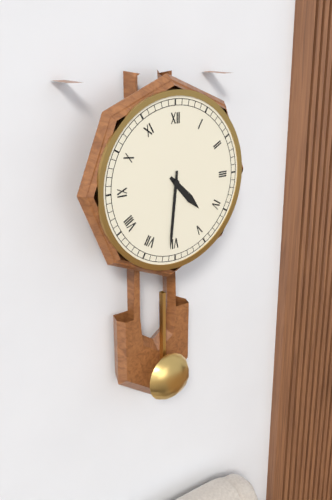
4:31
